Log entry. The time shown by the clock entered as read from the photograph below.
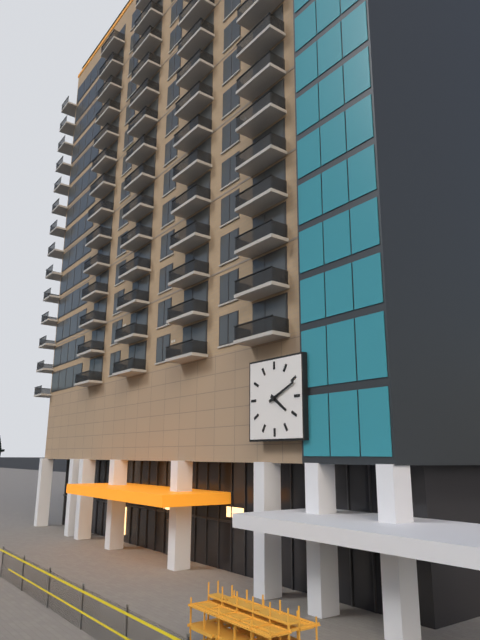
4:11
